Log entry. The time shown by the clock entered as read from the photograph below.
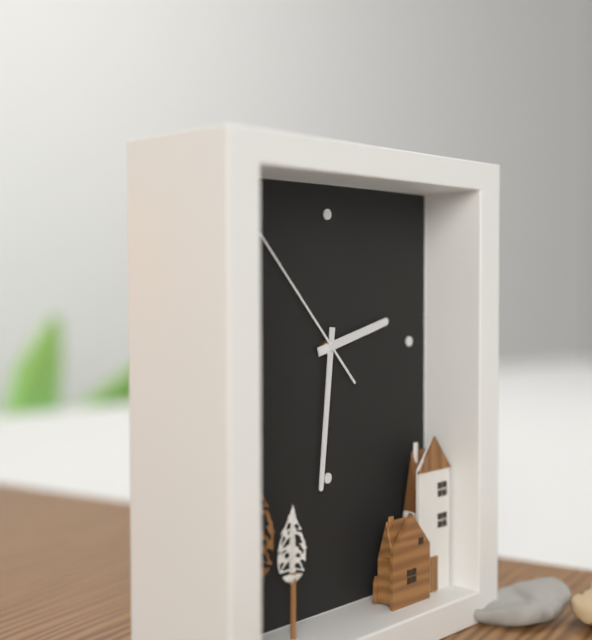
2:31:53
